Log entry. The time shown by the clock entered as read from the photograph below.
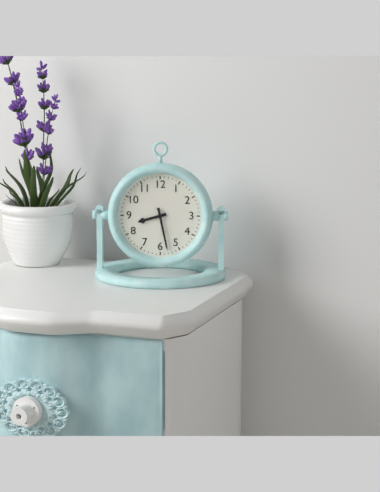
8:28
